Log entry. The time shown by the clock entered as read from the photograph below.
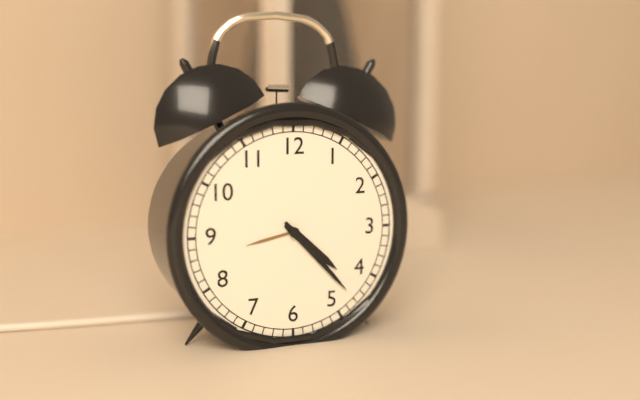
4:23
